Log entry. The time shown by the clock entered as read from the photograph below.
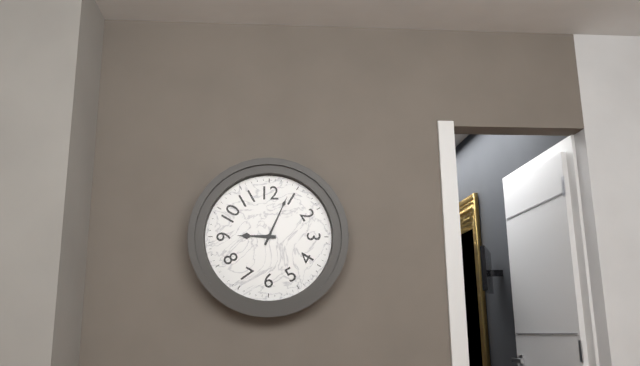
9:04
